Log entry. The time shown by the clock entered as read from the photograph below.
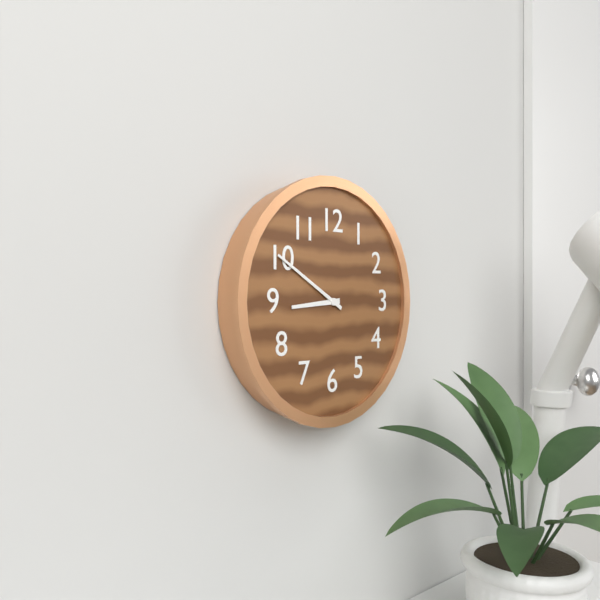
8:50
